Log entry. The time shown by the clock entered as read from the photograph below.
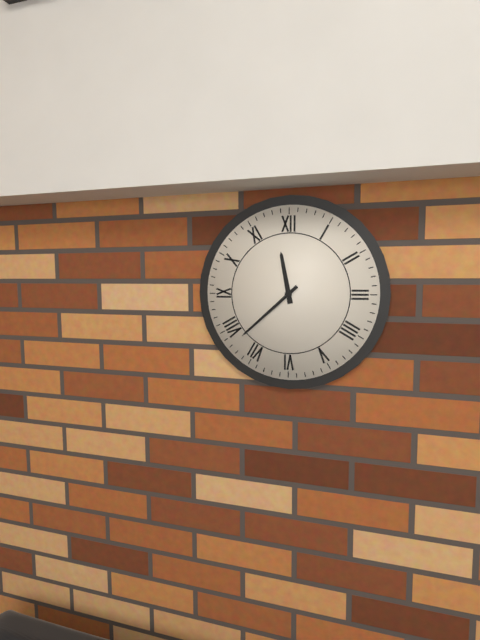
11:38
